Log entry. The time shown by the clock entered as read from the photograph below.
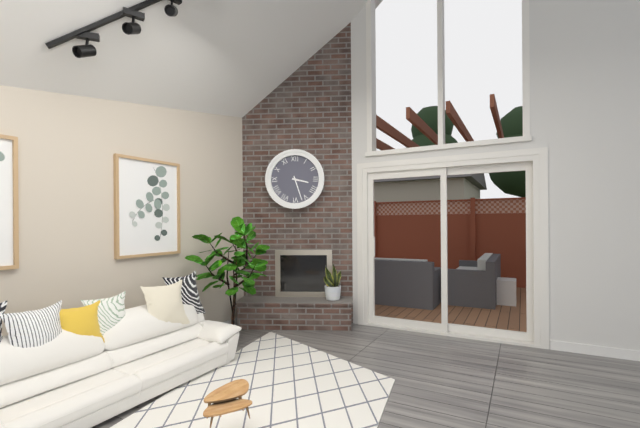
3:27
